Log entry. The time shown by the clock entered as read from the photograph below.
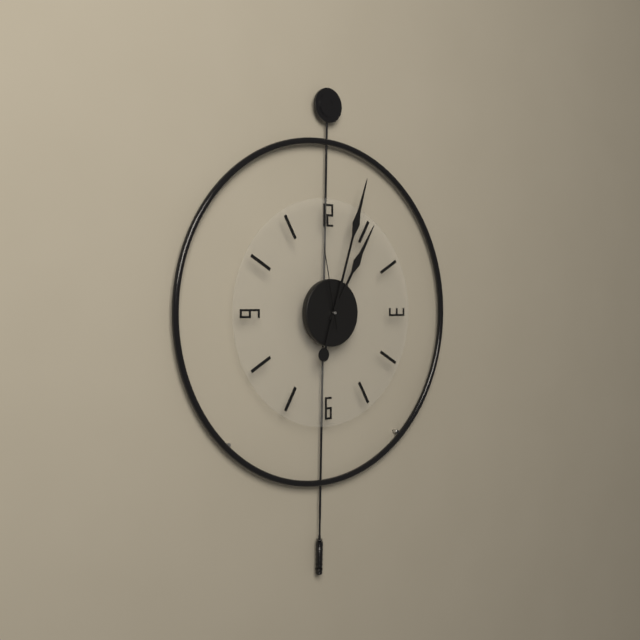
1:03:58
